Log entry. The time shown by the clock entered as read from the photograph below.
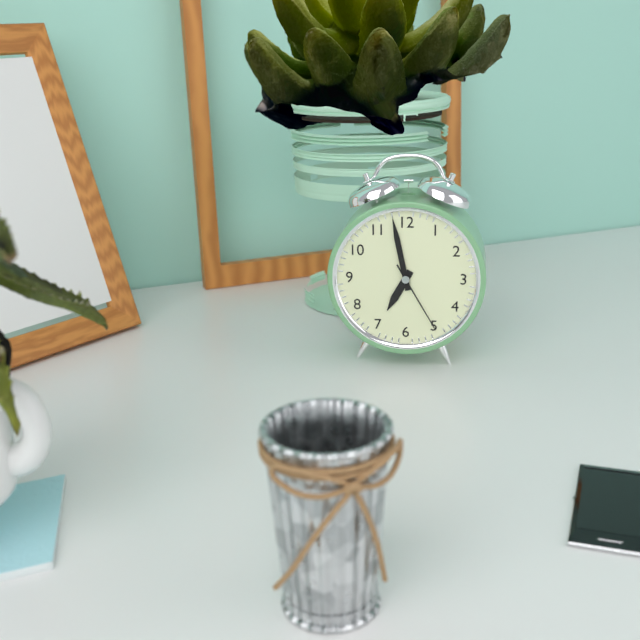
6:58:25
